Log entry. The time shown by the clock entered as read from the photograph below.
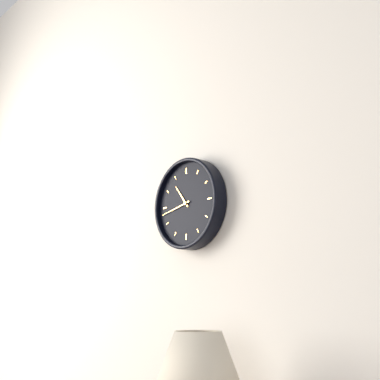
10:43
